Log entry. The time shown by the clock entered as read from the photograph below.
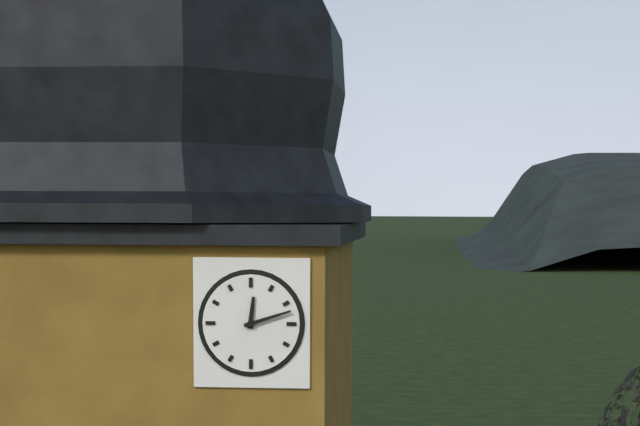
12:12
